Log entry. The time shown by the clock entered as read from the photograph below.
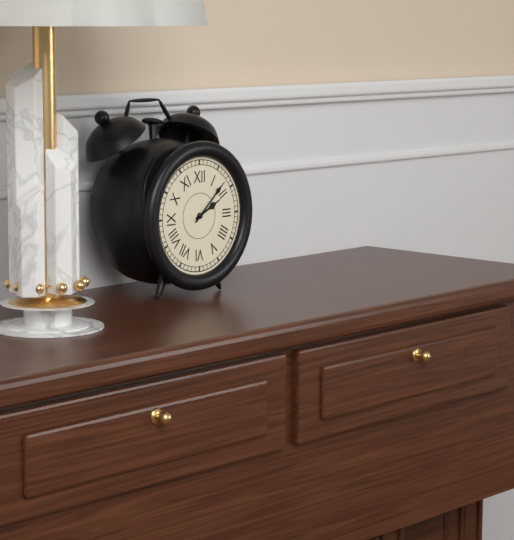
2:08
